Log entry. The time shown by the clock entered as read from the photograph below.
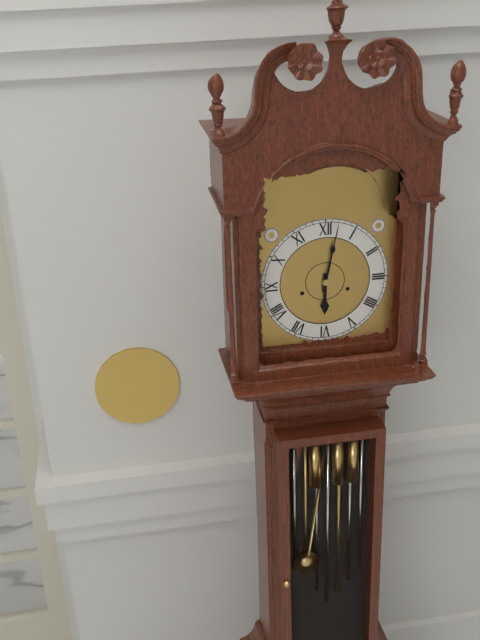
6:02
